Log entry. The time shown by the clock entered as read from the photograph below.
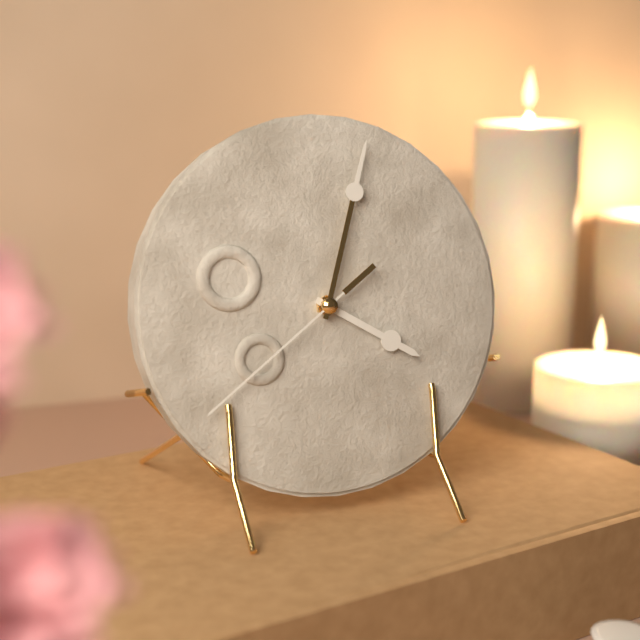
4:03:39
